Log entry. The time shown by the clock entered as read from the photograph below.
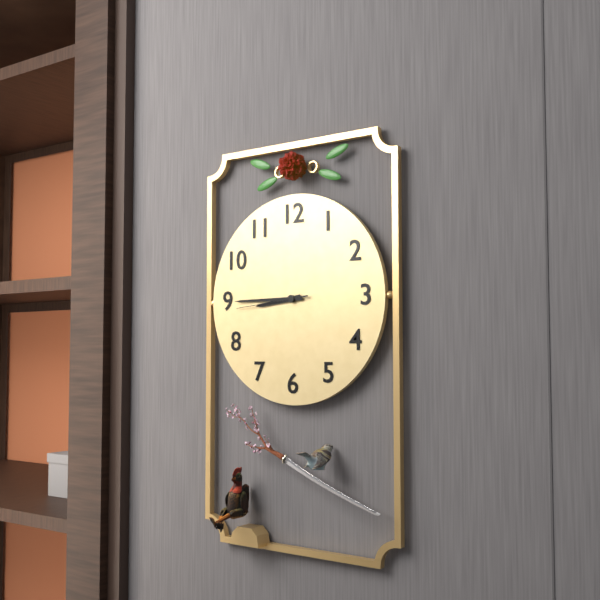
8:45:44
